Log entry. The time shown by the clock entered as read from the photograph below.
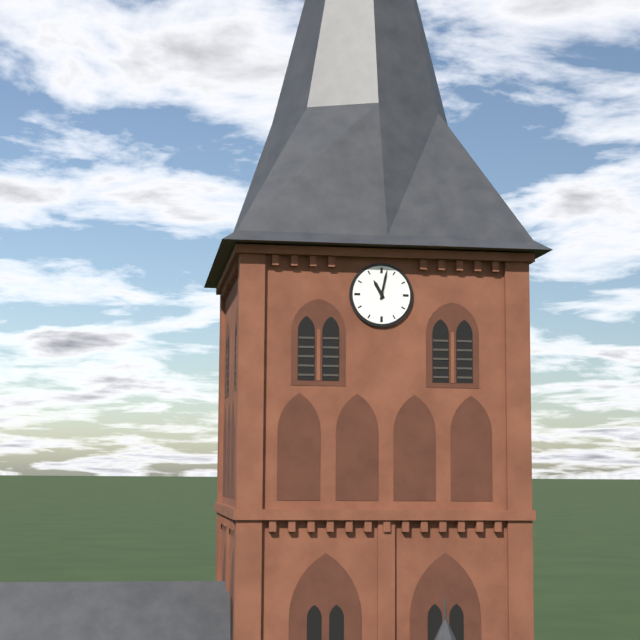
11:02
